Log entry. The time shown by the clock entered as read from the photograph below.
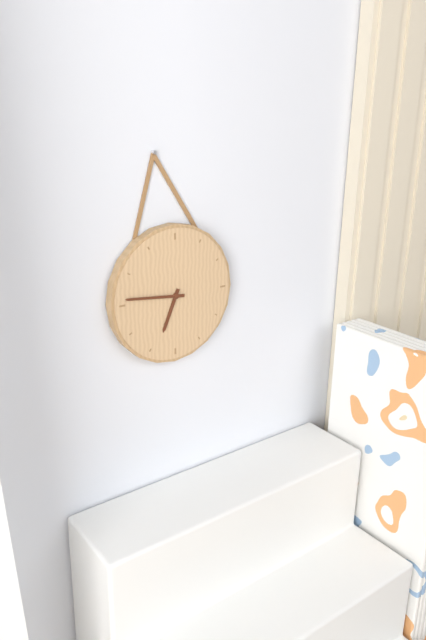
6:46
